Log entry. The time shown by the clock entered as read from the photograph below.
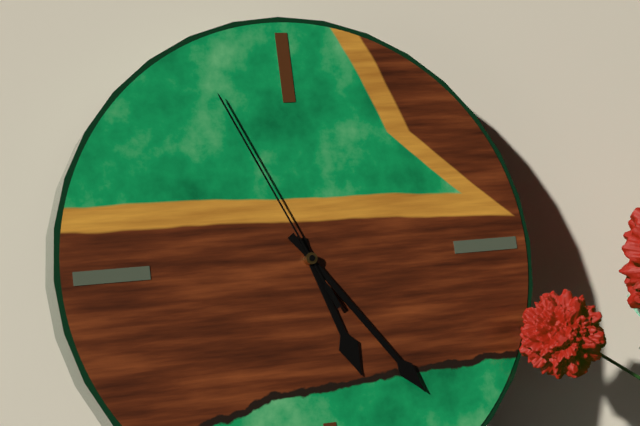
5:24:56
